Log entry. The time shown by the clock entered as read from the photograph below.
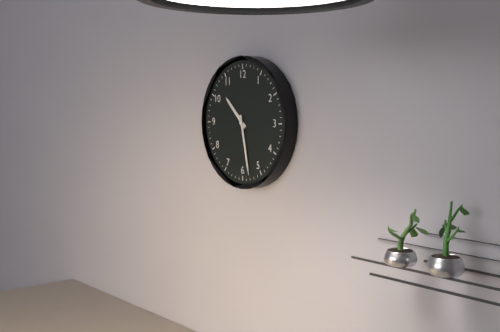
10:28
